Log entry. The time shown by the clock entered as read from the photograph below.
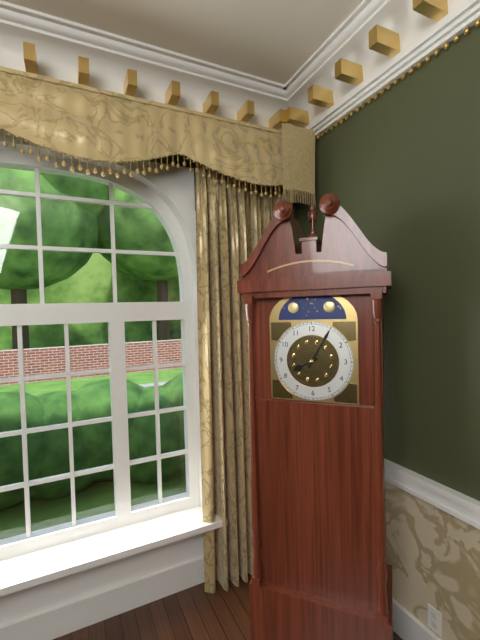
8:05
